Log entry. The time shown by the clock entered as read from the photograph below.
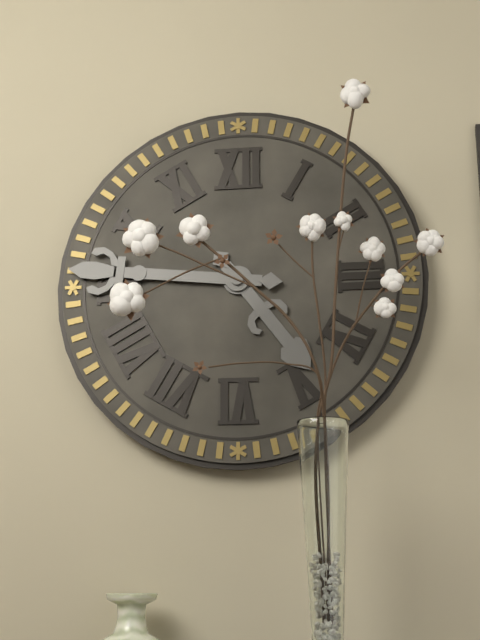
4:46
